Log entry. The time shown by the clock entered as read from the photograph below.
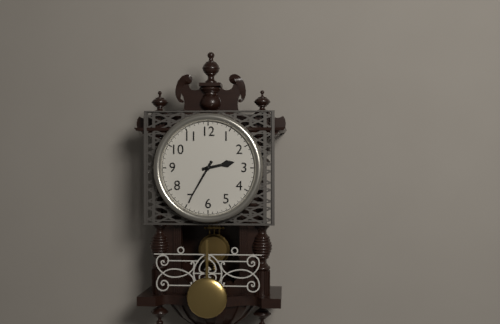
2:35
